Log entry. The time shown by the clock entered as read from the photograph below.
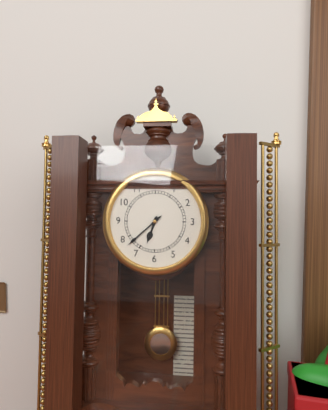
6:38
